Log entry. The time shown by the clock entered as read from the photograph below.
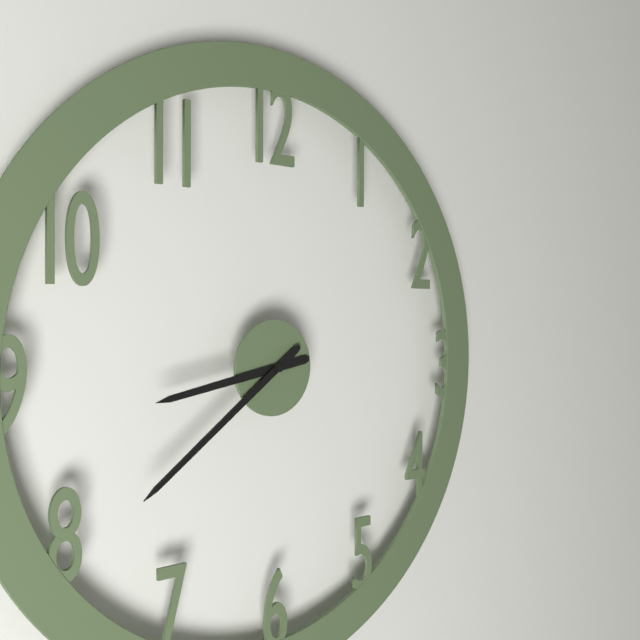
8:39
